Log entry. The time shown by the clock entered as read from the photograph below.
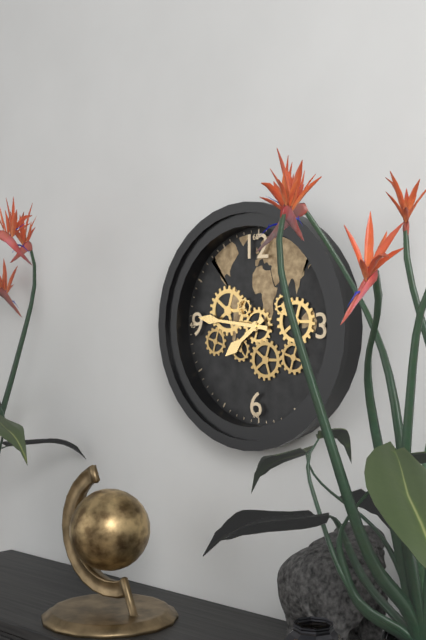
7:46
